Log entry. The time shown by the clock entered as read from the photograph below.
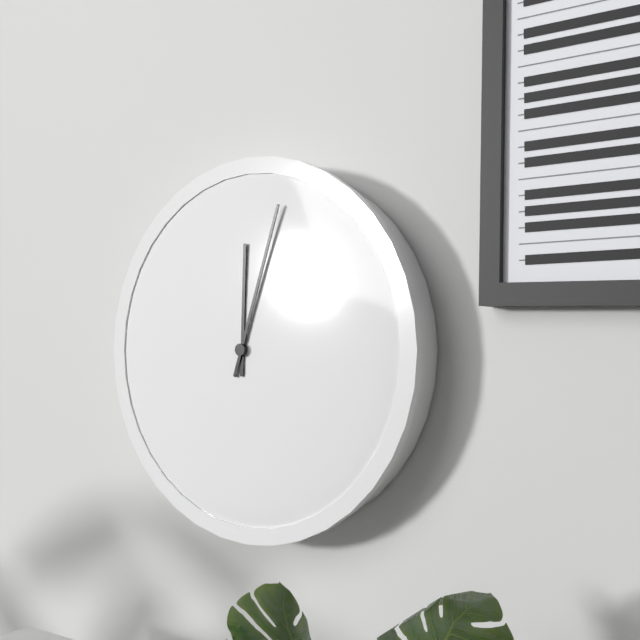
12:03
